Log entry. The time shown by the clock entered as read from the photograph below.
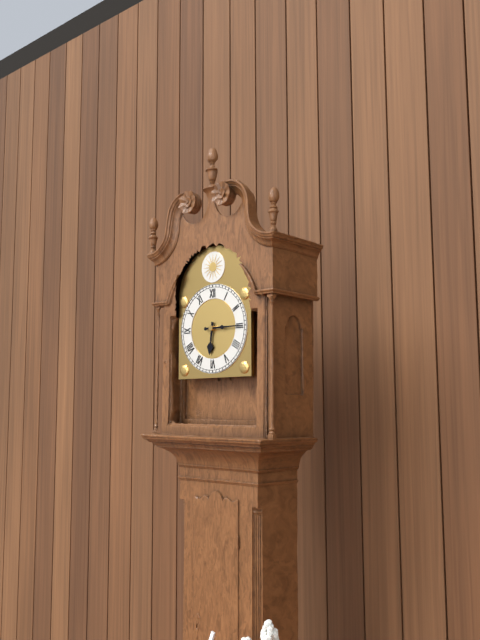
6:15
